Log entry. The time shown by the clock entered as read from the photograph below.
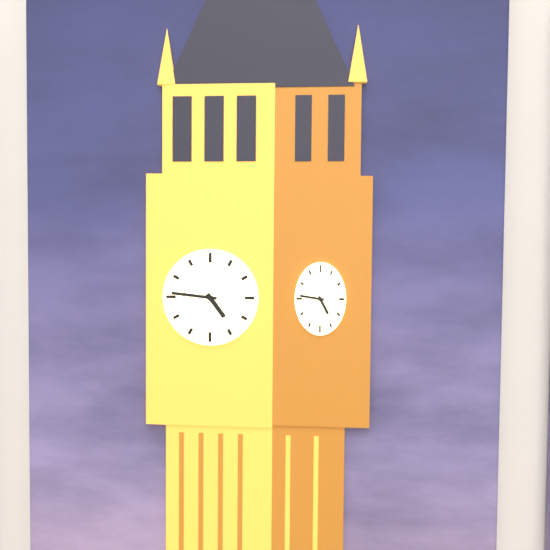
4:46
